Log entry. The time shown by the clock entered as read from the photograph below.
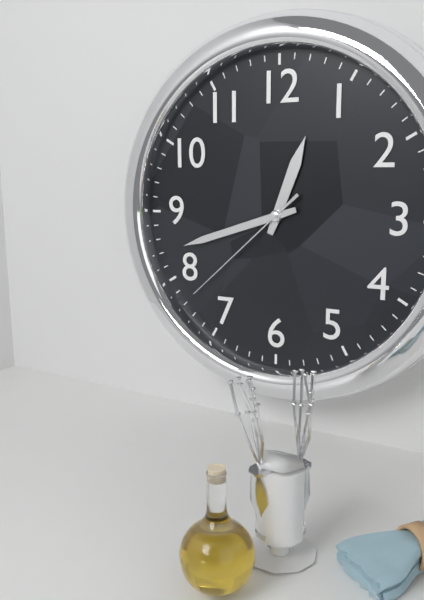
12:42:38
